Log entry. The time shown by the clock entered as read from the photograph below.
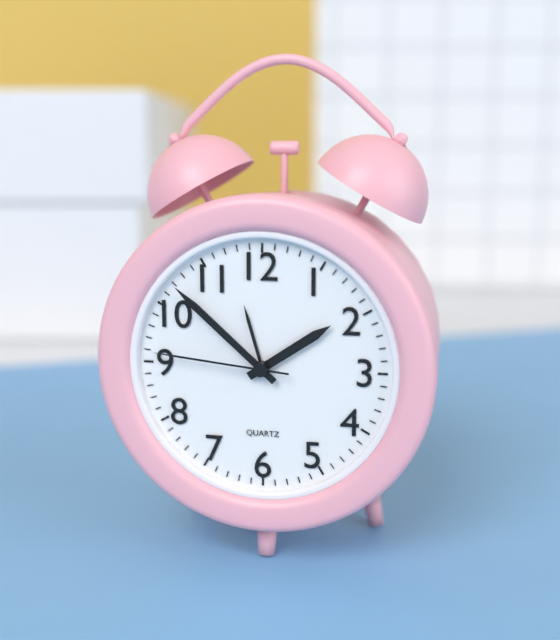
1:52:46
